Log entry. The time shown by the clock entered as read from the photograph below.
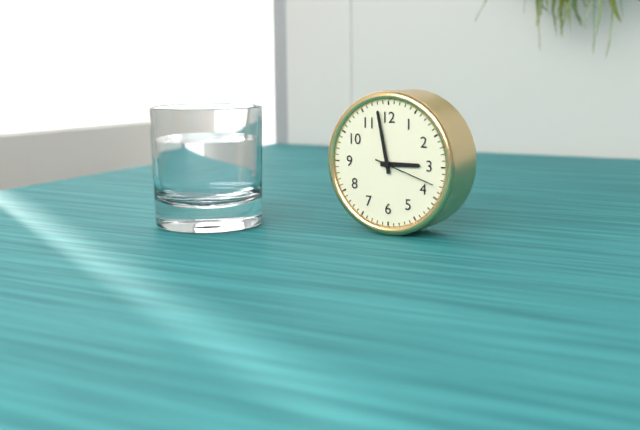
2:58:18
